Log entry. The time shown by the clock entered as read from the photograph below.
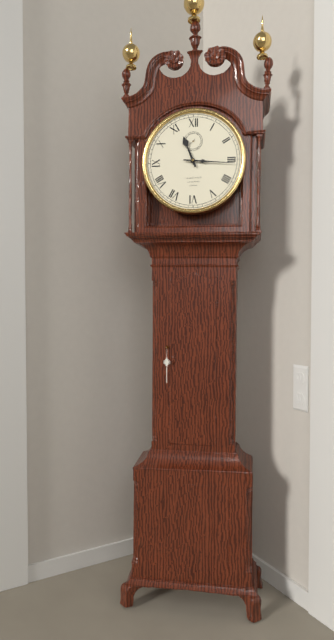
11:16
